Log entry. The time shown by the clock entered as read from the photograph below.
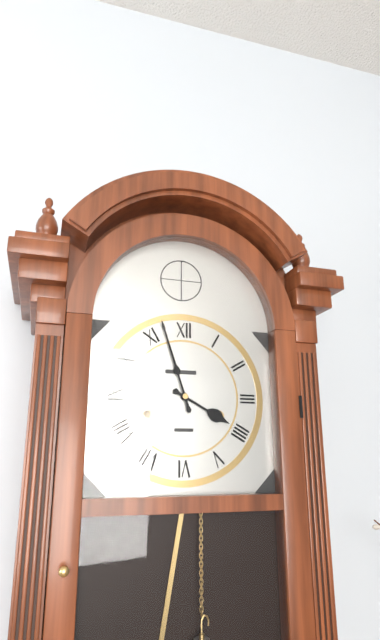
3:57
